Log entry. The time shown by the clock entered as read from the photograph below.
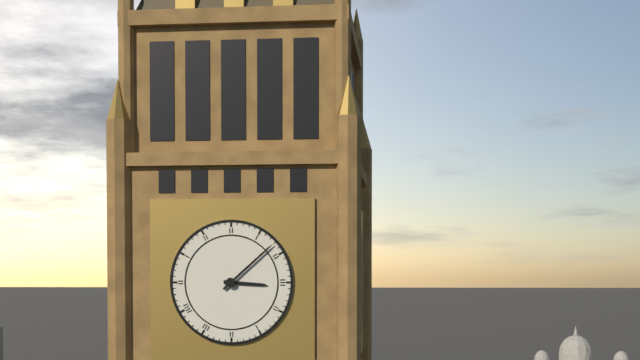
3:08
